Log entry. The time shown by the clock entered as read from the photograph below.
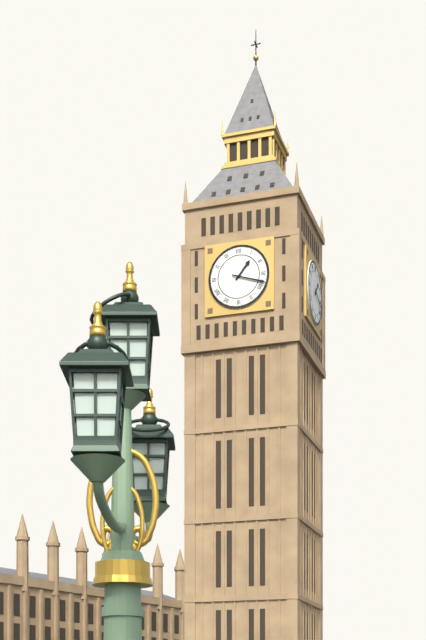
1:18
